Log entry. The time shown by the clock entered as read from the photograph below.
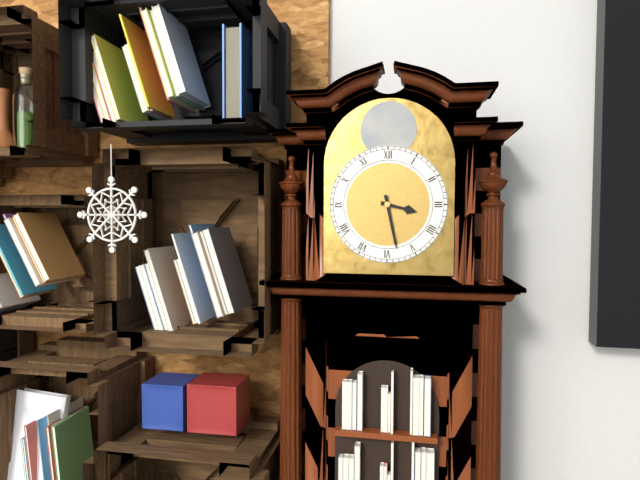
3:28
